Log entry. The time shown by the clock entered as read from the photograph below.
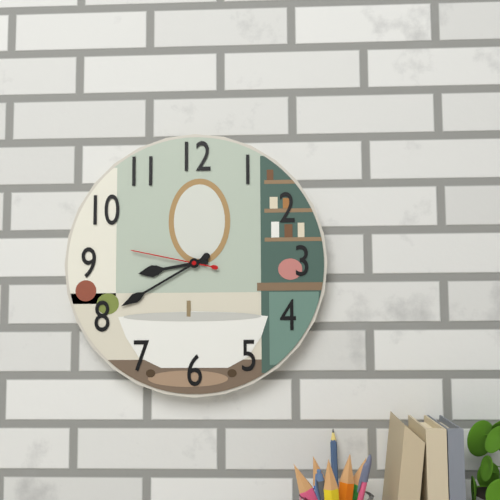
8:40:47
